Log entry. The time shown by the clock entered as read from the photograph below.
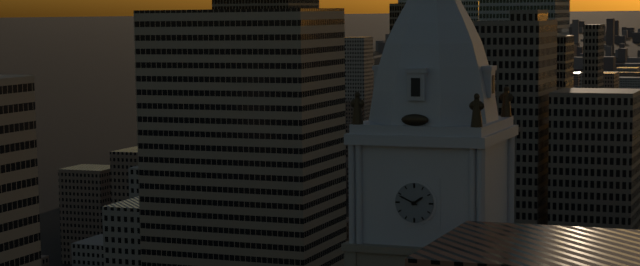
1:49
